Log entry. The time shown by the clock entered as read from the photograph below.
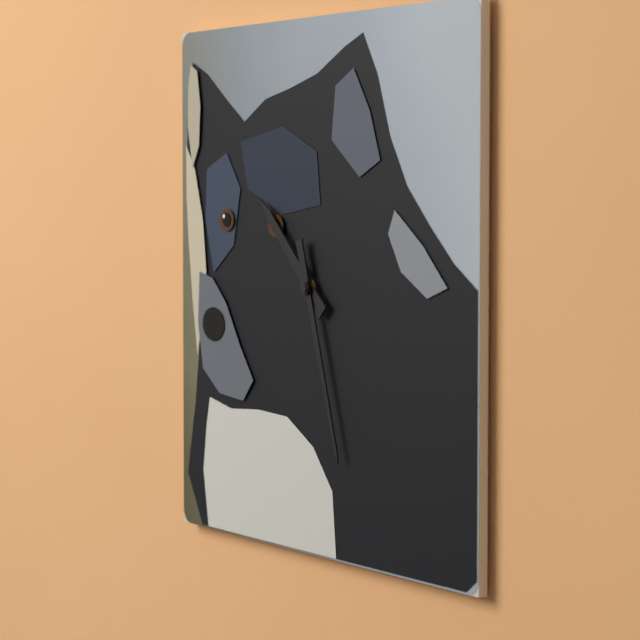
10:27
